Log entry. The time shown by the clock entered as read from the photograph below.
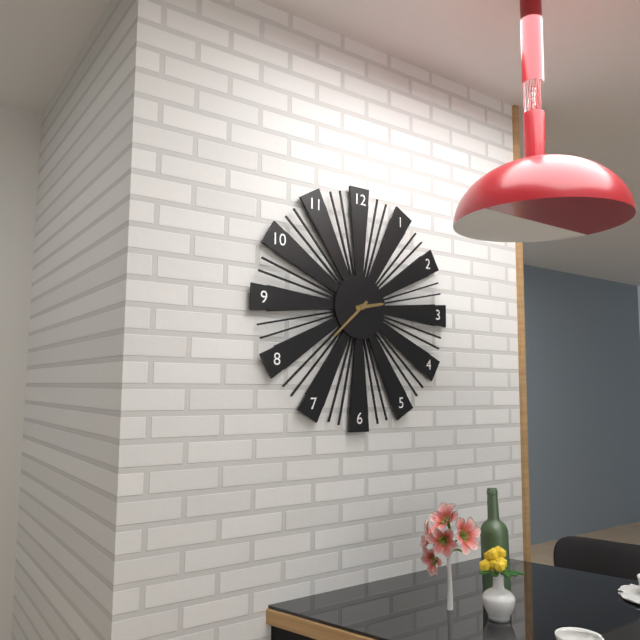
2:38
